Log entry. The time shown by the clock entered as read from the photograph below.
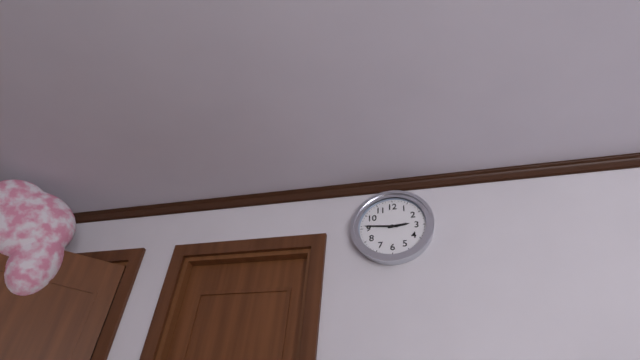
2:46
